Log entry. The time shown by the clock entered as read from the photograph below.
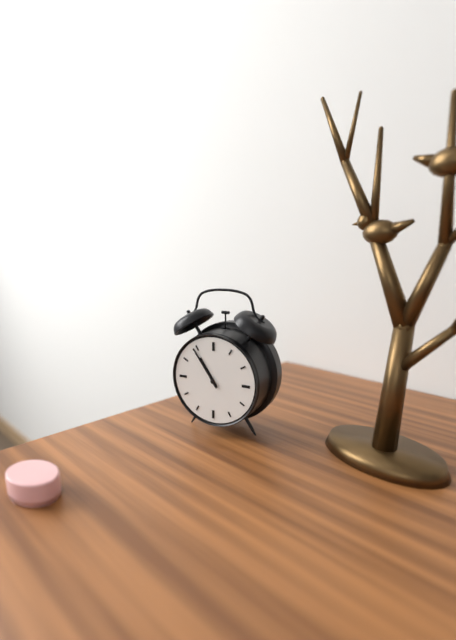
10:54
